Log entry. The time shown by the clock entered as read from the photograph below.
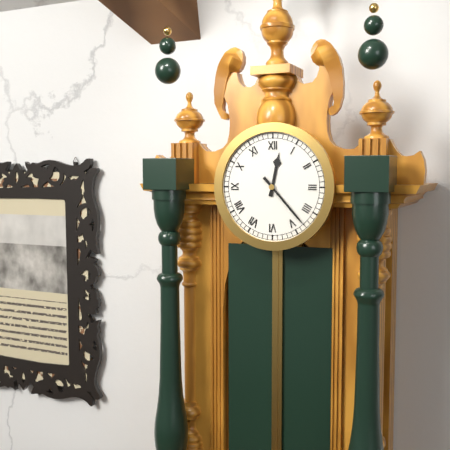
12:23
